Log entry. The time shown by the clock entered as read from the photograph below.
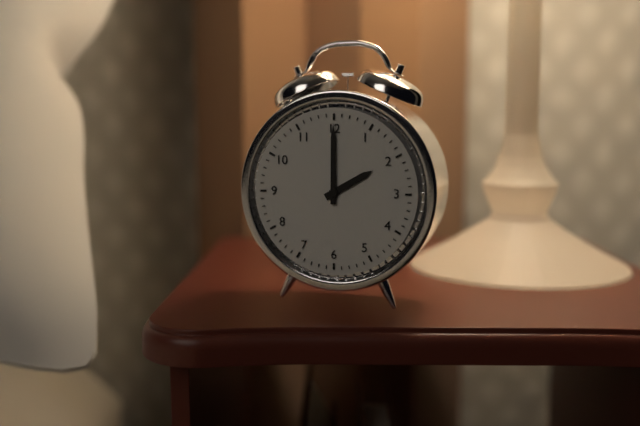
2:00
